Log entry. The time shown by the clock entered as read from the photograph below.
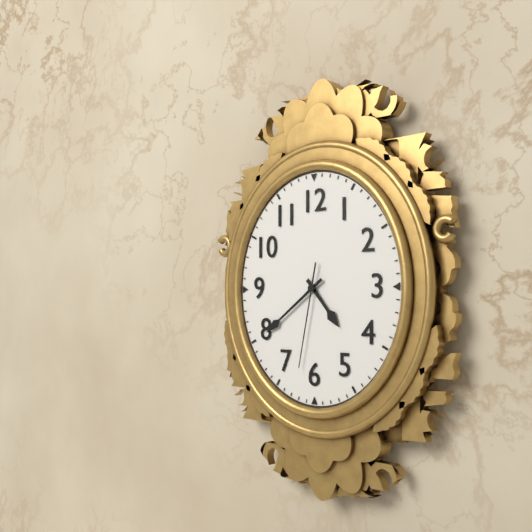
4:39:32
